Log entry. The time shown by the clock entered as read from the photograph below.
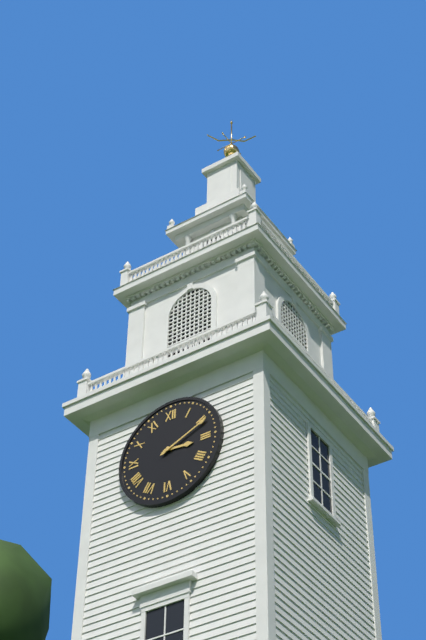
3:11
